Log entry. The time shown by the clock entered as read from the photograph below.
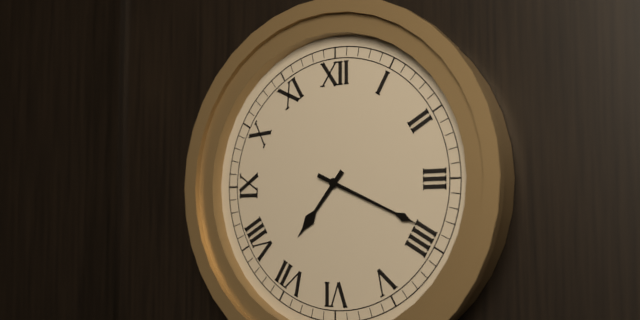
7:19
